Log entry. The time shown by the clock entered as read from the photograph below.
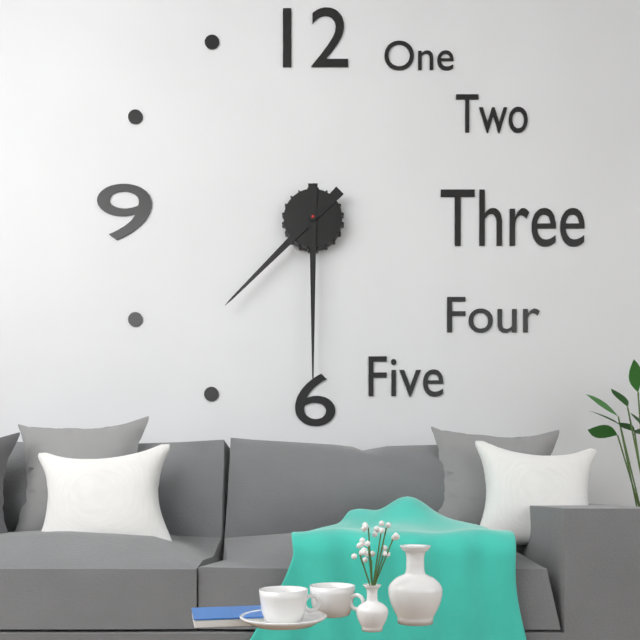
7:30
